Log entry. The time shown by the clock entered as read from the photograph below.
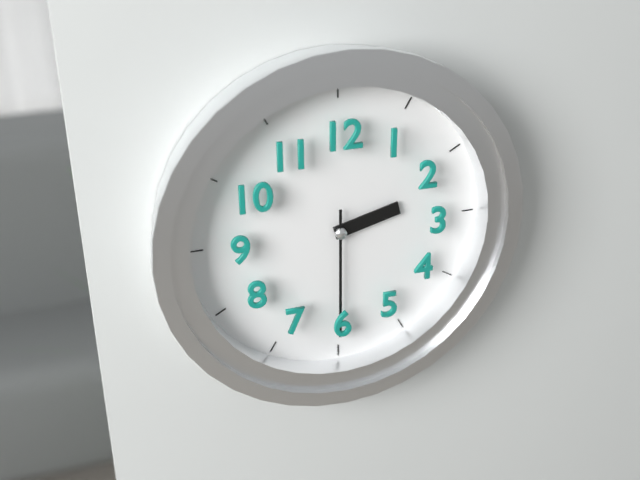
2:30
